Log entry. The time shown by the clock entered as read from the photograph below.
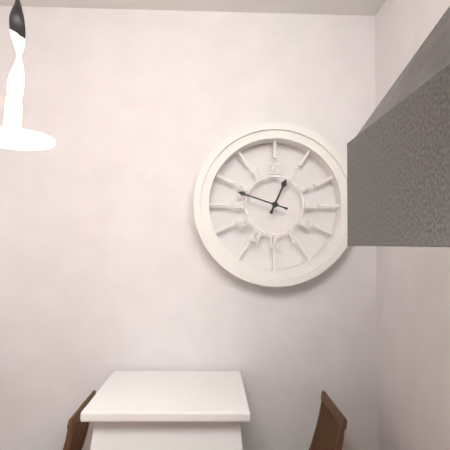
12:48
